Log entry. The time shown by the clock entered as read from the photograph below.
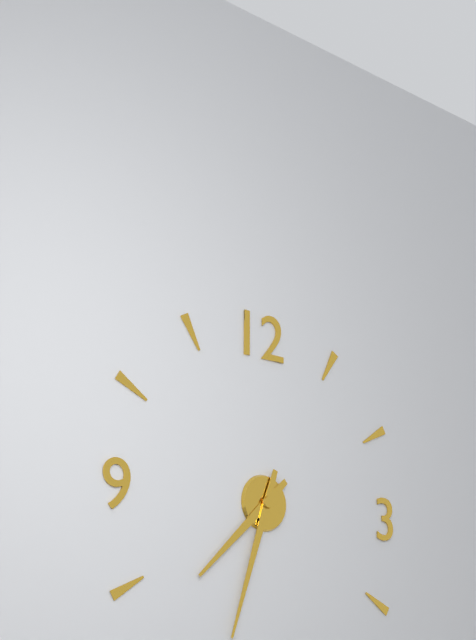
7:33
